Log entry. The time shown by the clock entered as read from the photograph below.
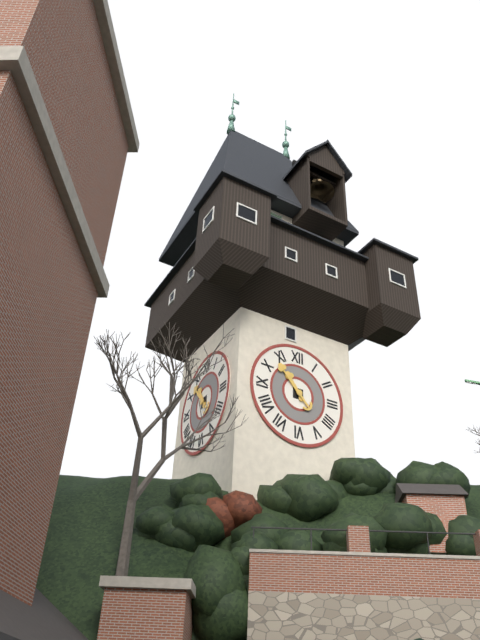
10:53
